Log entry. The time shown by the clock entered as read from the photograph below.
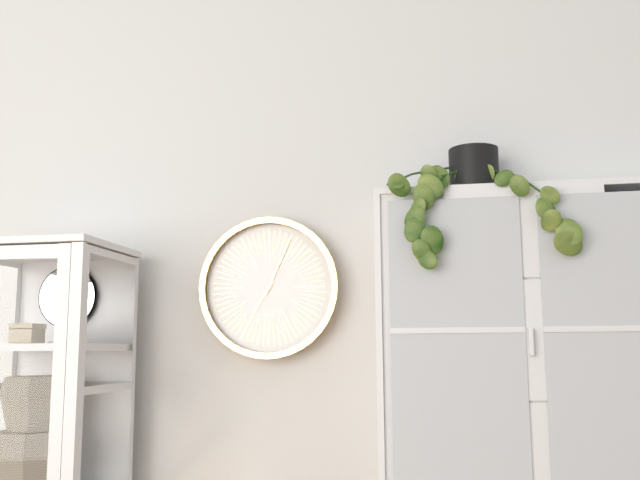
7:04
